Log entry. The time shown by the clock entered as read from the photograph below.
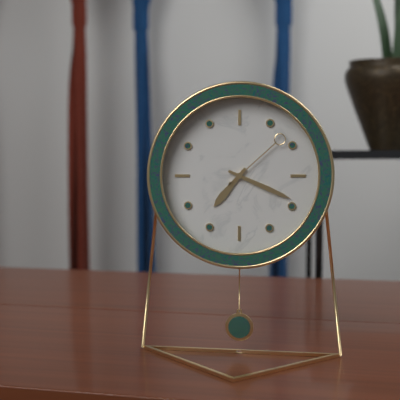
7:19:08
